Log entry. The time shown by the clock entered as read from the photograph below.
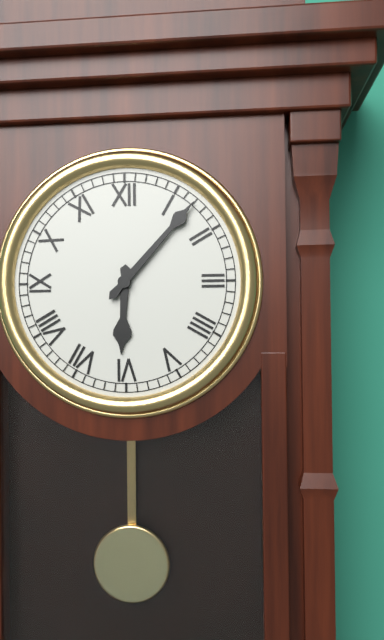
6:07
